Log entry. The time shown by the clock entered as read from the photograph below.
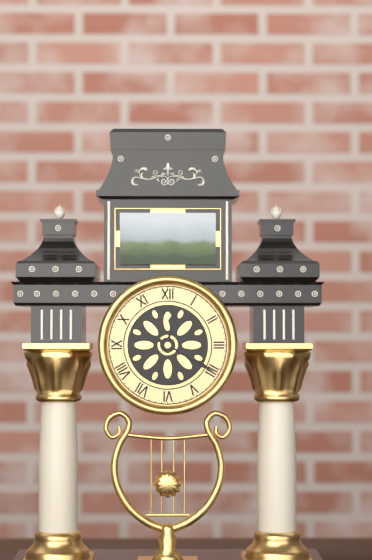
12:20
